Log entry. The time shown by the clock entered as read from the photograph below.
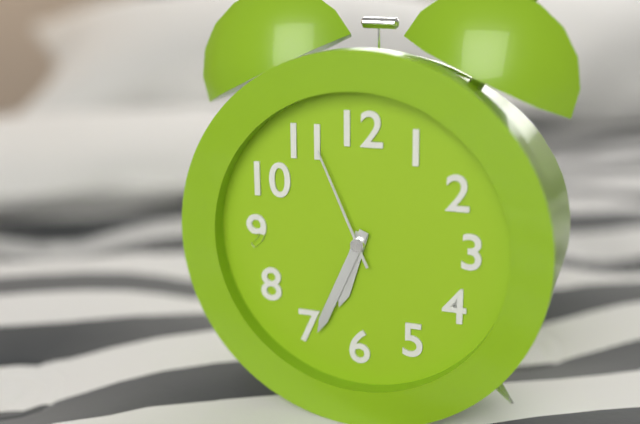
6:34:56
